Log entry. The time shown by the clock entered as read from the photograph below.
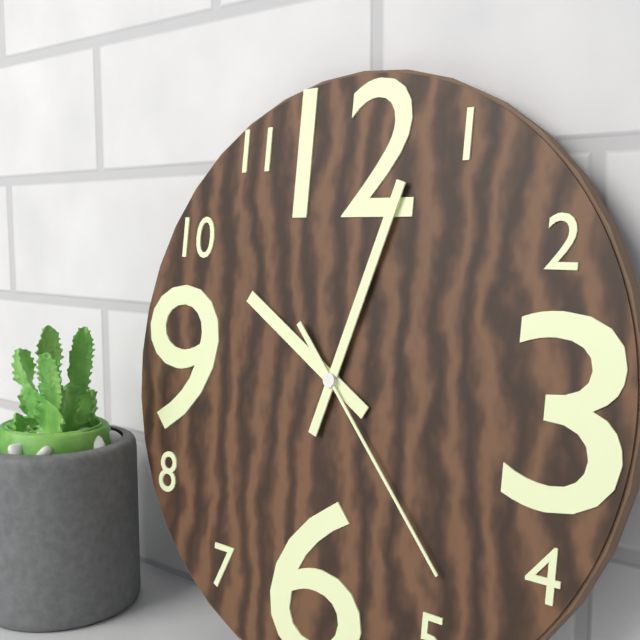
10:03:23
